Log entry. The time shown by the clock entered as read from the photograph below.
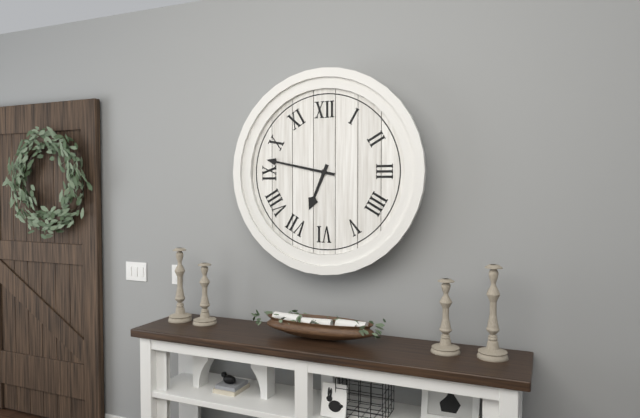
6:47
